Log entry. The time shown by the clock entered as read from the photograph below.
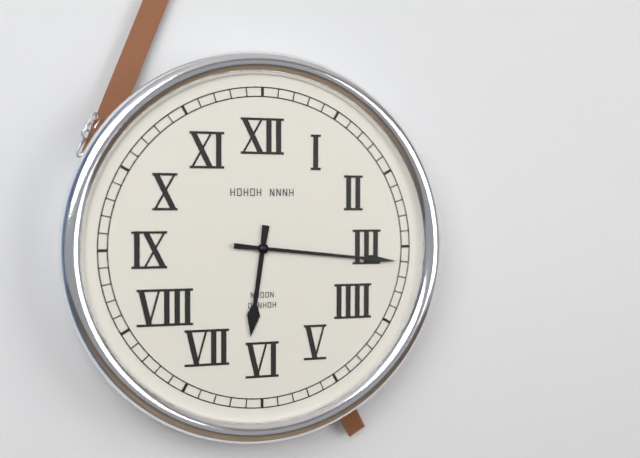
6:16
